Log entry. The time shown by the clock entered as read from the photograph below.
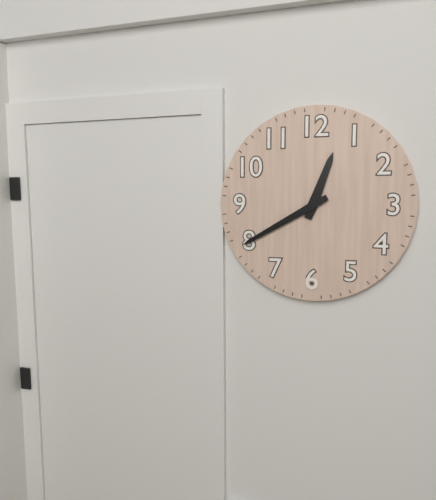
12:40
